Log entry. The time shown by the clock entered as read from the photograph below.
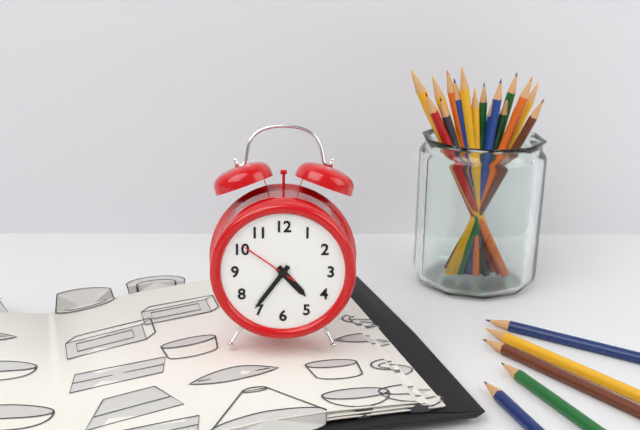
4:36:51
